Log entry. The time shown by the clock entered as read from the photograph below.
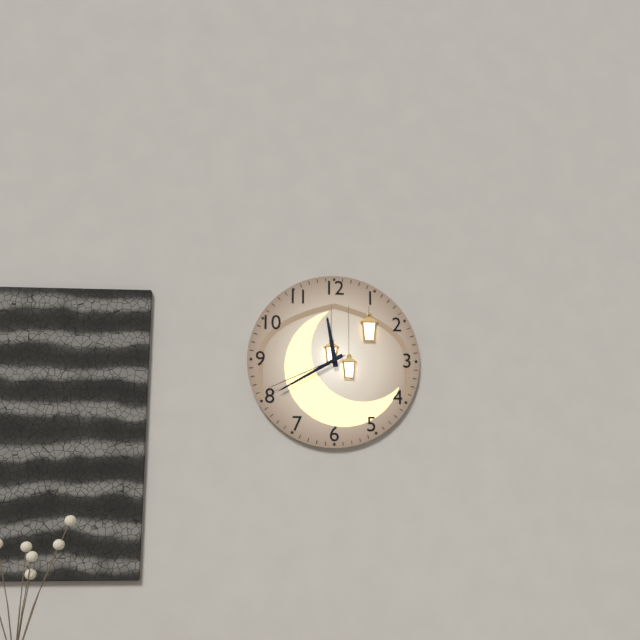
11:40:41
